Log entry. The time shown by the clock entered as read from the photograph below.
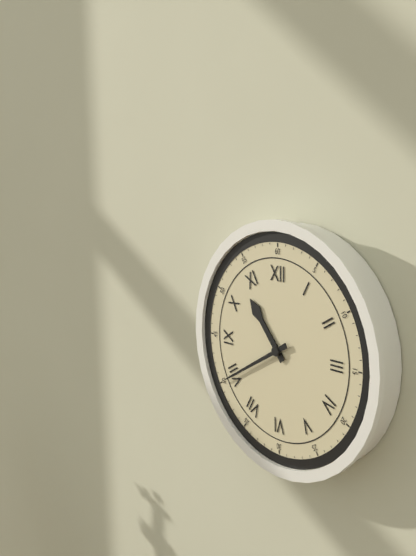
10:40
